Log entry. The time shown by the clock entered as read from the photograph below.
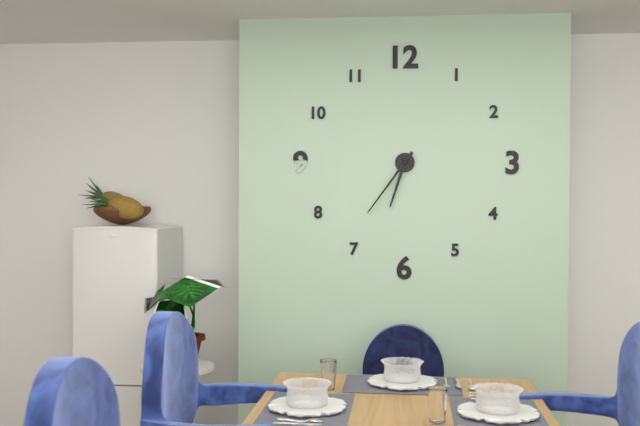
6:36
